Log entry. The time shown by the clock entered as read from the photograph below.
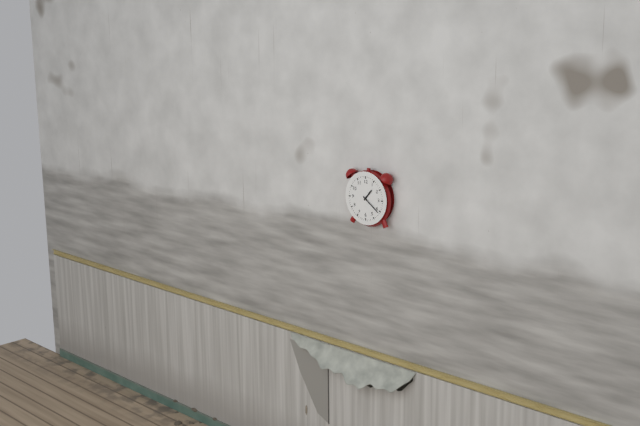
1:21
